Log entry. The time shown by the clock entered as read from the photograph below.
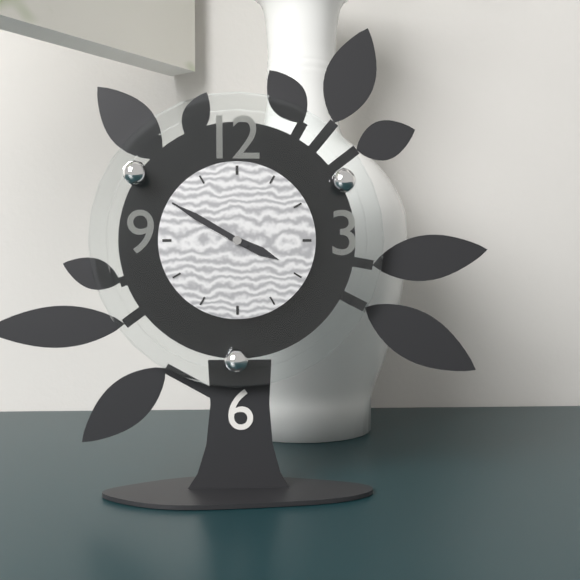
3:50
